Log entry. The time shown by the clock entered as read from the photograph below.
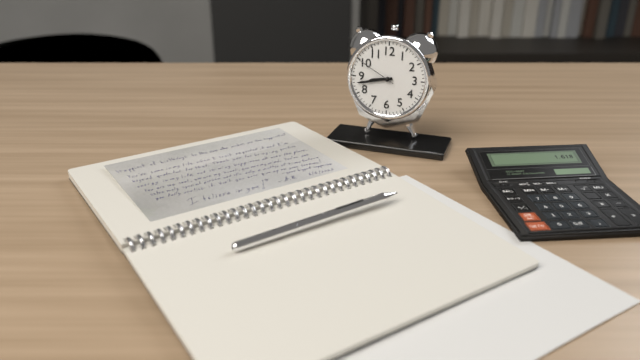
8:43
